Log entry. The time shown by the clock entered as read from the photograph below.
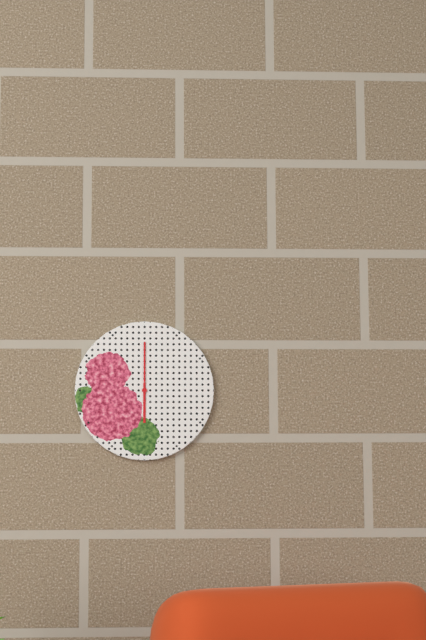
6:00
